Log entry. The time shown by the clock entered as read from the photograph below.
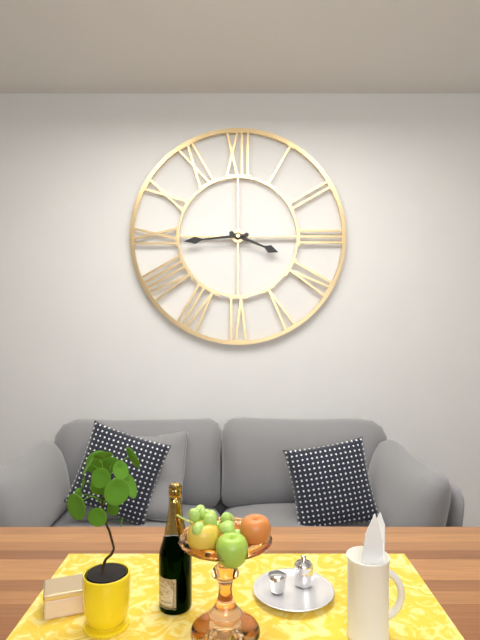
3:44
